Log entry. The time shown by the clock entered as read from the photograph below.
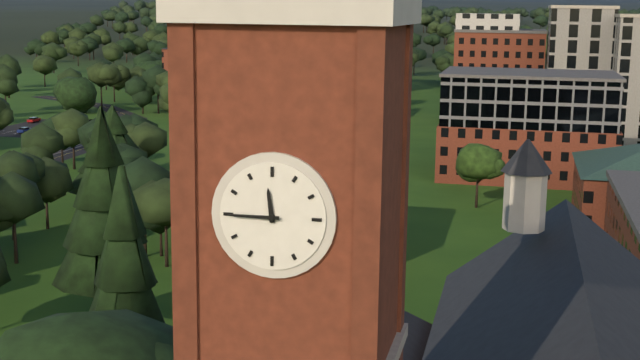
11:45
